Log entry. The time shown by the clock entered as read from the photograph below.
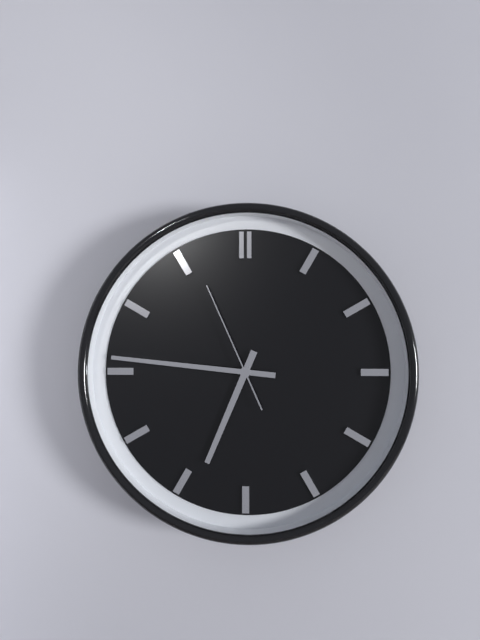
6:46:56
